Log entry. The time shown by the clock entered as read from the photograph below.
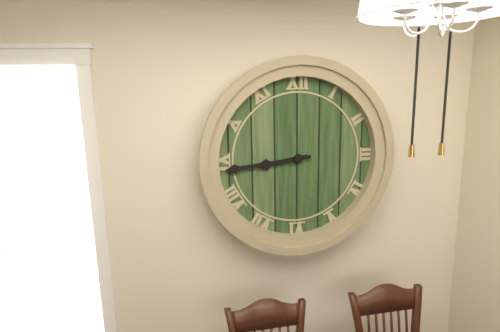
8:44
